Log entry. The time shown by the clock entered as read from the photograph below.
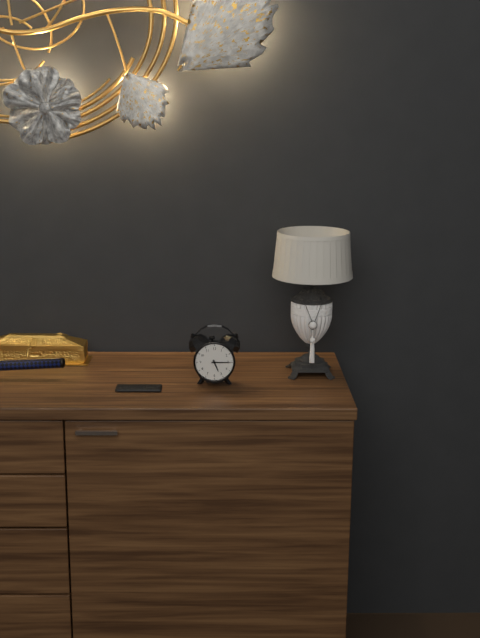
5:15
